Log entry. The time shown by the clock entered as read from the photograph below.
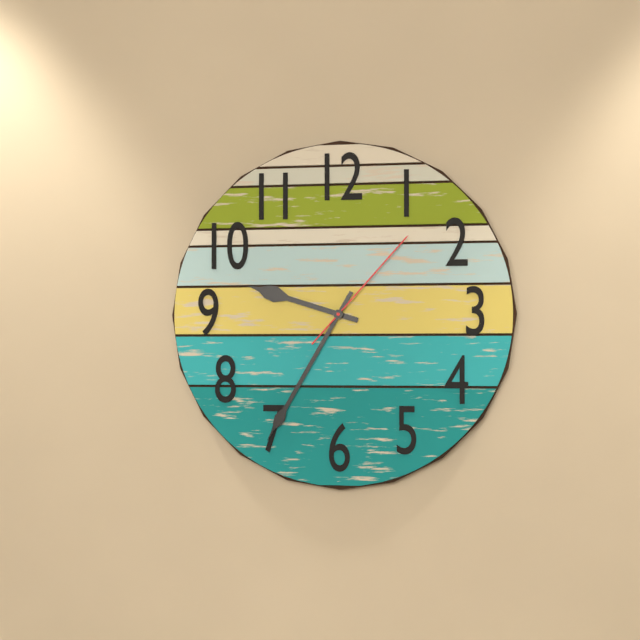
9:35:07
